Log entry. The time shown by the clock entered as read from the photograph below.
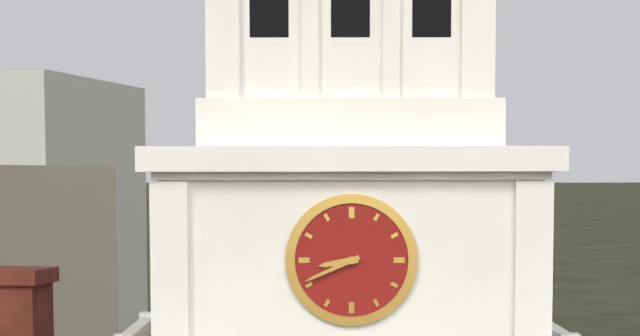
8:41
